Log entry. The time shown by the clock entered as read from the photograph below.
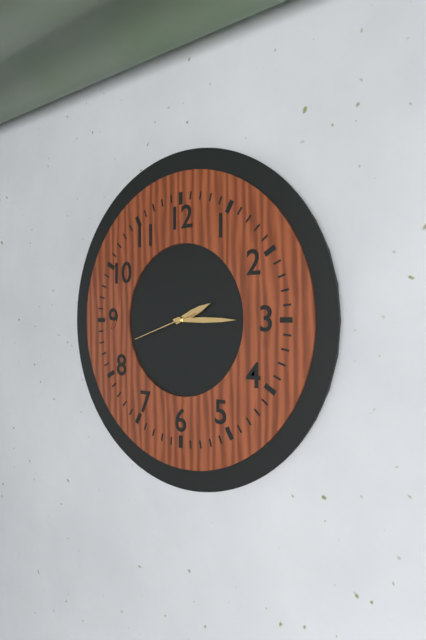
2:15:42
